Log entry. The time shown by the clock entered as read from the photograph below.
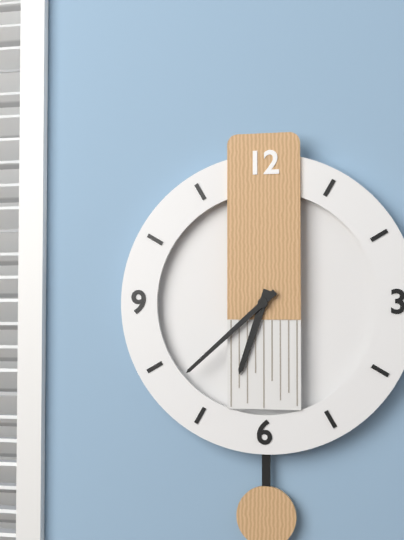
6:38
